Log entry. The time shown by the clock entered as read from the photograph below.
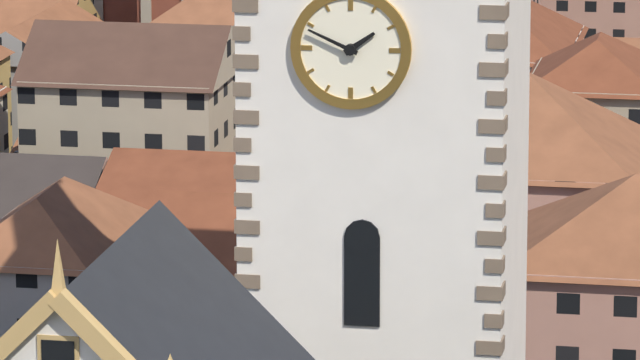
1:49
